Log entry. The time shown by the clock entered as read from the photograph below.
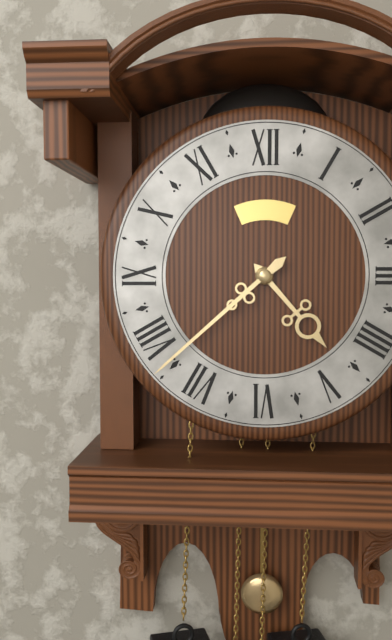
4:38
